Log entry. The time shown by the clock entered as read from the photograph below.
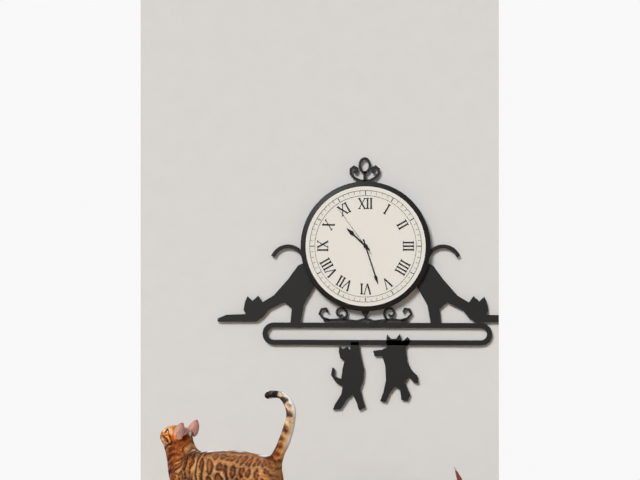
10:27:54
